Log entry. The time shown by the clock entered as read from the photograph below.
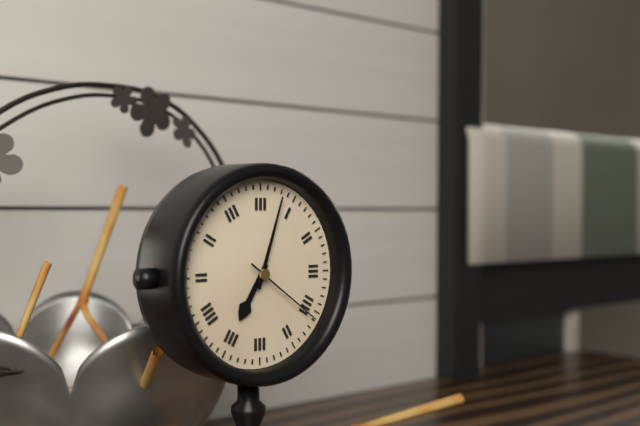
7:03:21
